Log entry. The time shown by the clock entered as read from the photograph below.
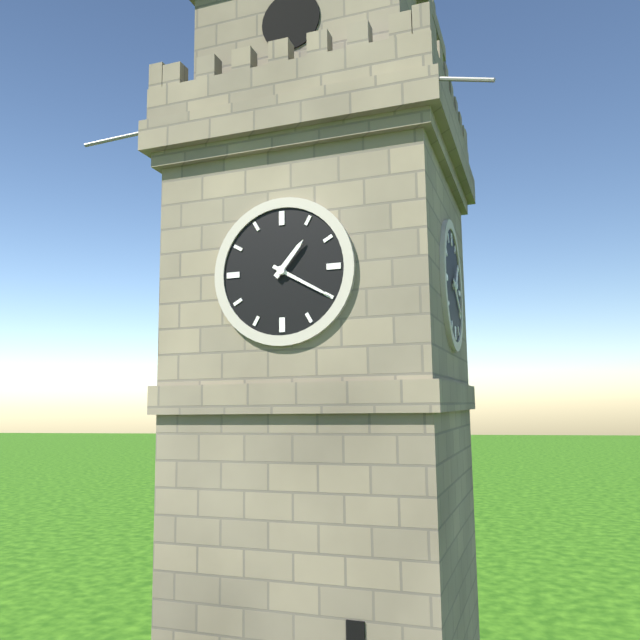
1:20
